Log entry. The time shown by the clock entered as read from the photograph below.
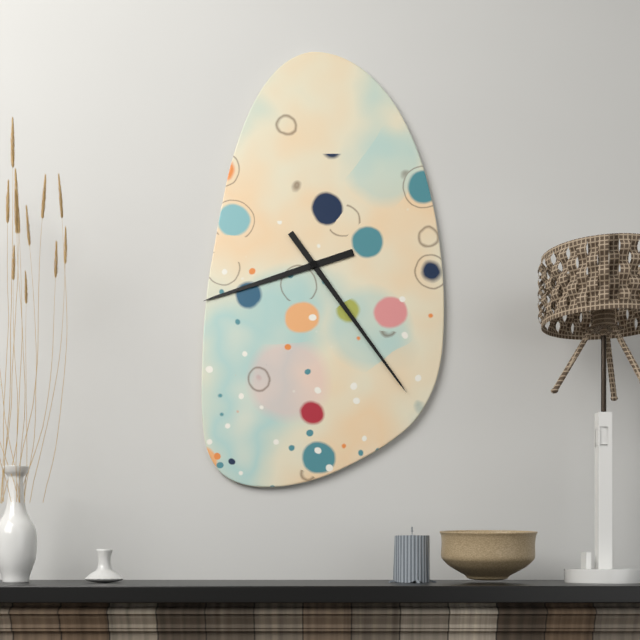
8:24
